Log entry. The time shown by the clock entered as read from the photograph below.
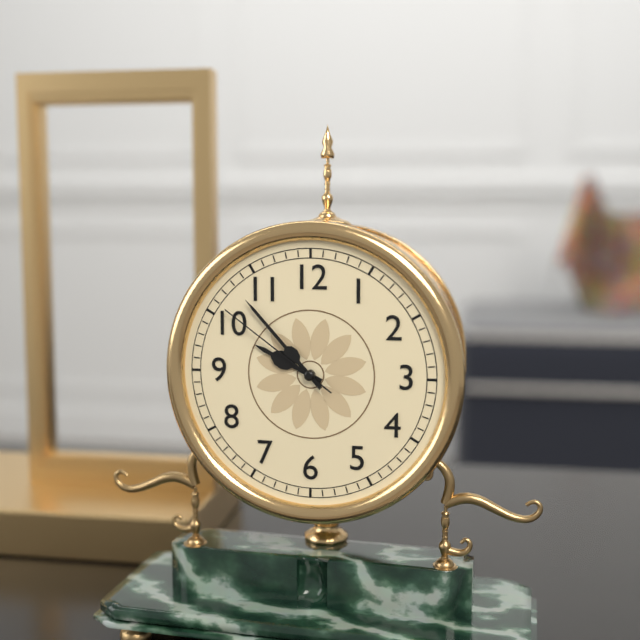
9:53:51
